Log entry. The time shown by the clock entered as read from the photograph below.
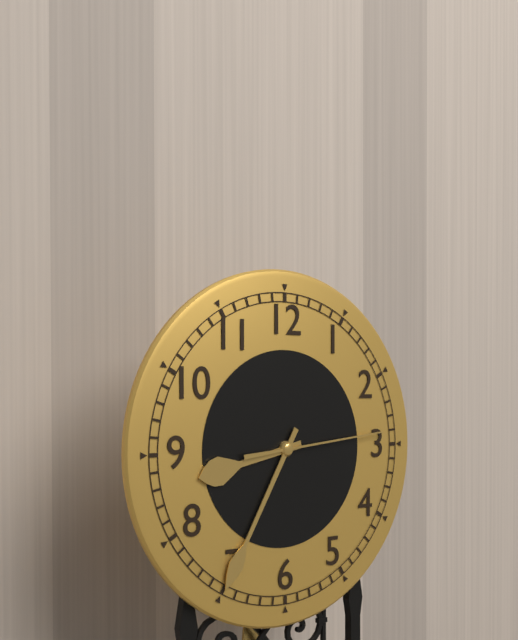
8:35:14
